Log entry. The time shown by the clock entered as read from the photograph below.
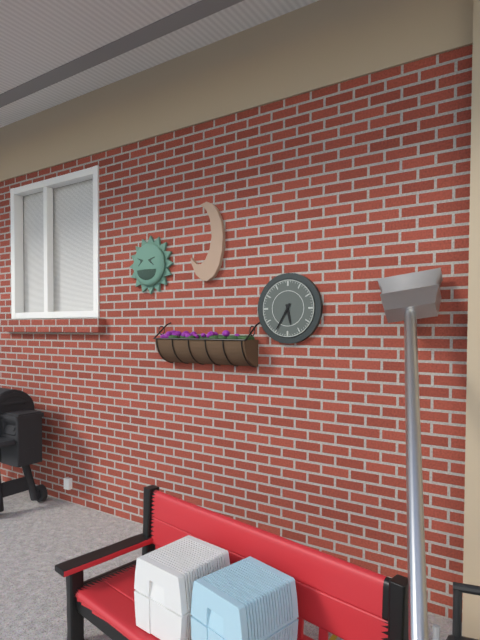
5:35
